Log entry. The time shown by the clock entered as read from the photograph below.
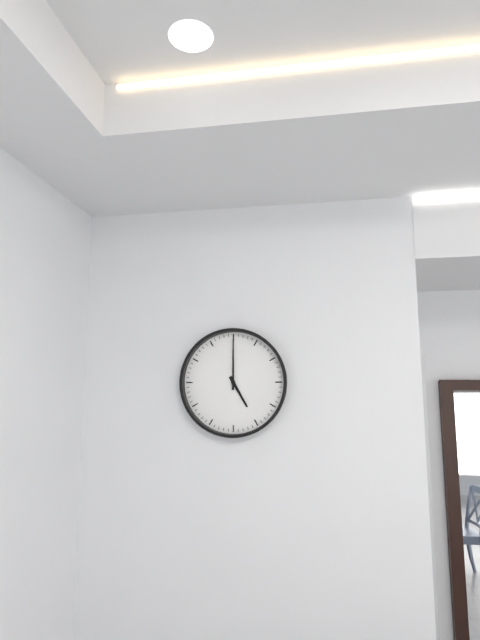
5:00
